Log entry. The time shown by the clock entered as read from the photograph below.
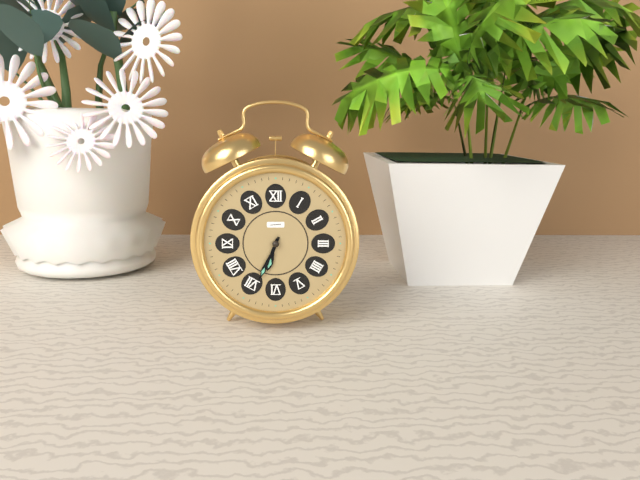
6:34
